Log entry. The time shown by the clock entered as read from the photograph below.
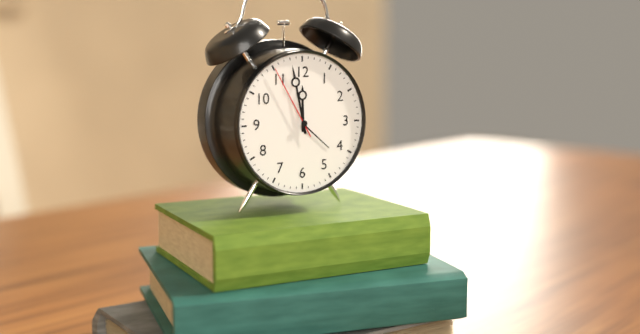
11:58:55
